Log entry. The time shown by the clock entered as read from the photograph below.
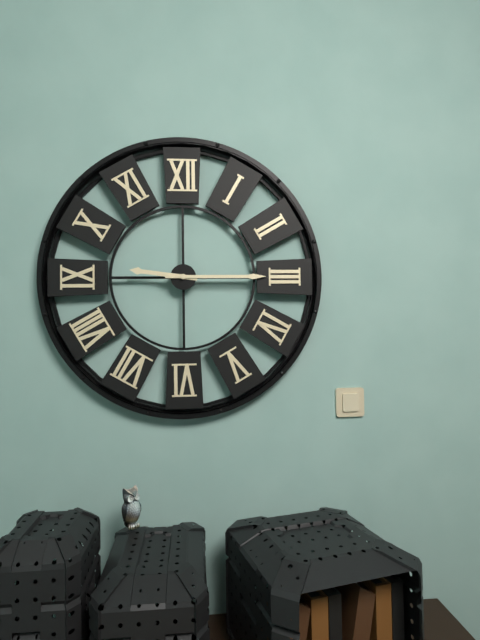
9:15
